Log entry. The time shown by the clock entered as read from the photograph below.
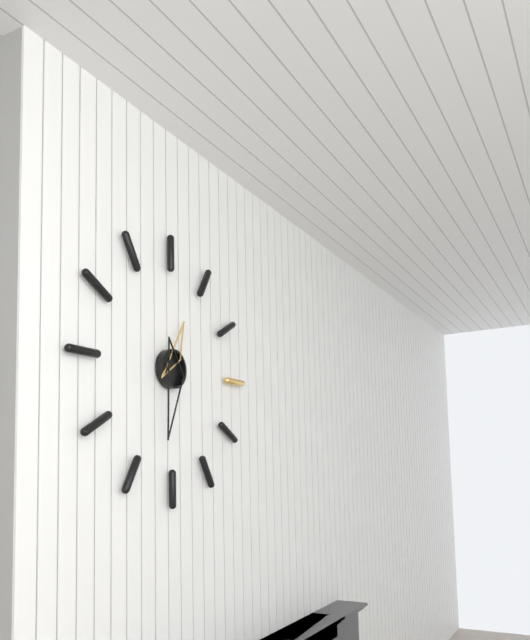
12:32
